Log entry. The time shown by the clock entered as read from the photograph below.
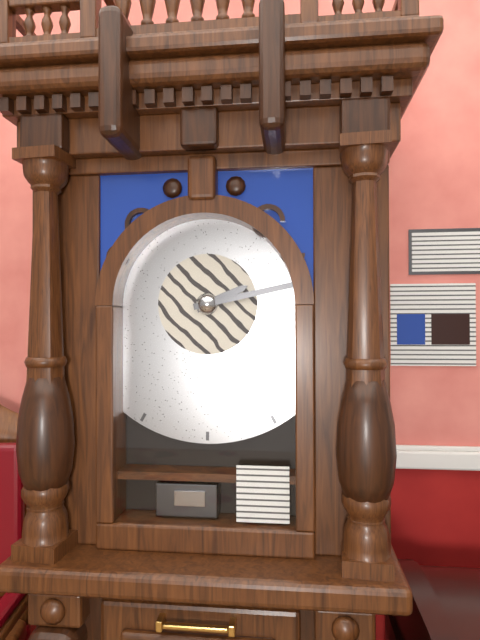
2:13
